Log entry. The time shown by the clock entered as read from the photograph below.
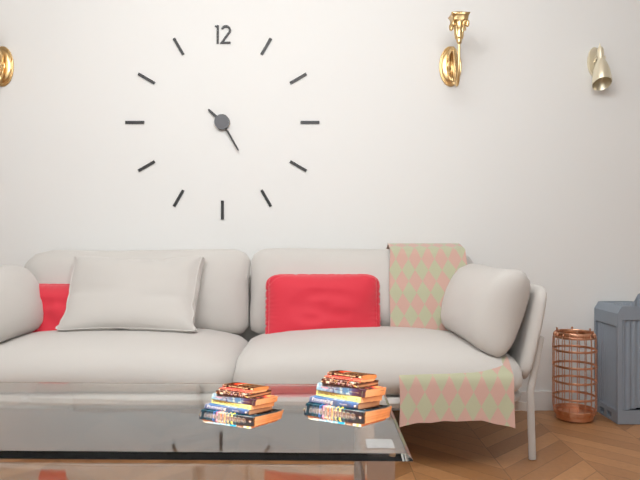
10:25
